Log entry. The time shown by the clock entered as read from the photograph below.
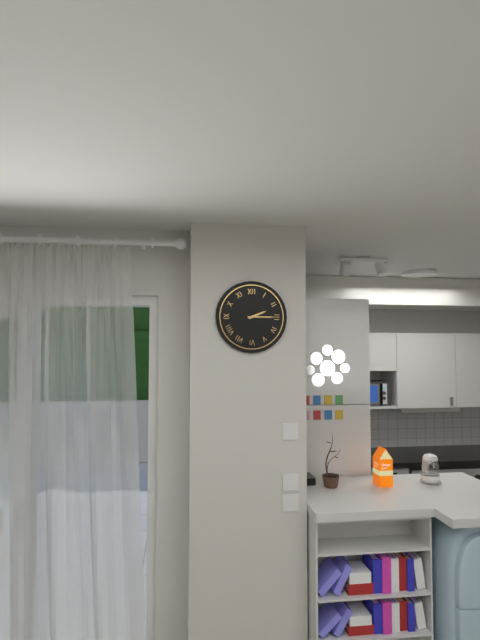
2:15
